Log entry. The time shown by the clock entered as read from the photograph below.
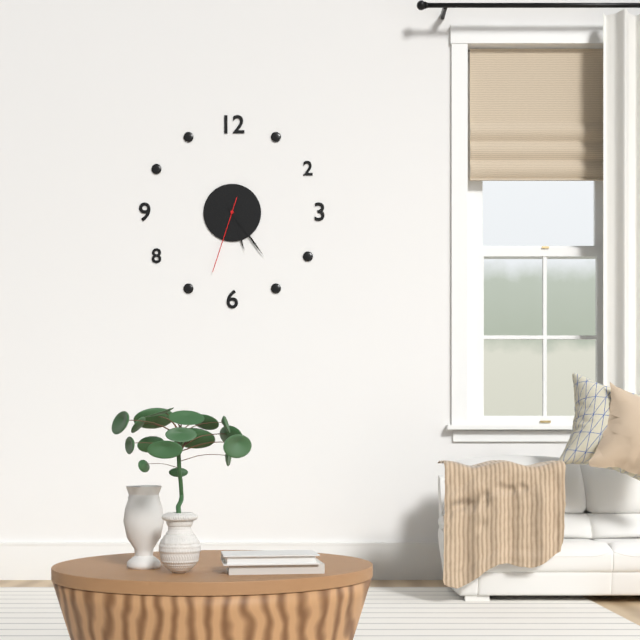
5:24:33
